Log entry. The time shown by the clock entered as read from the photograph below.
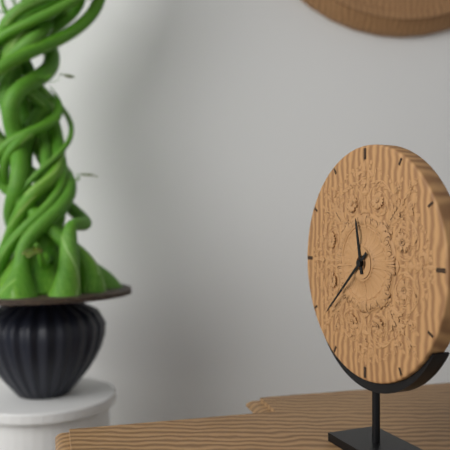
11:38
